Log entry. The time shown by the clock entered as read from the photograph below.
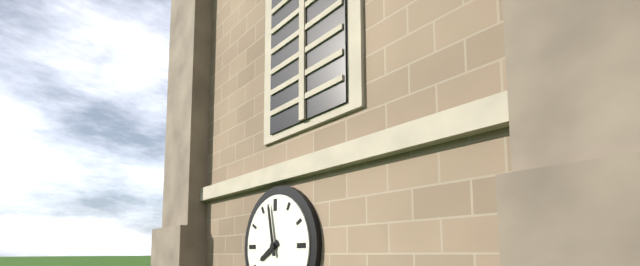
7:58
